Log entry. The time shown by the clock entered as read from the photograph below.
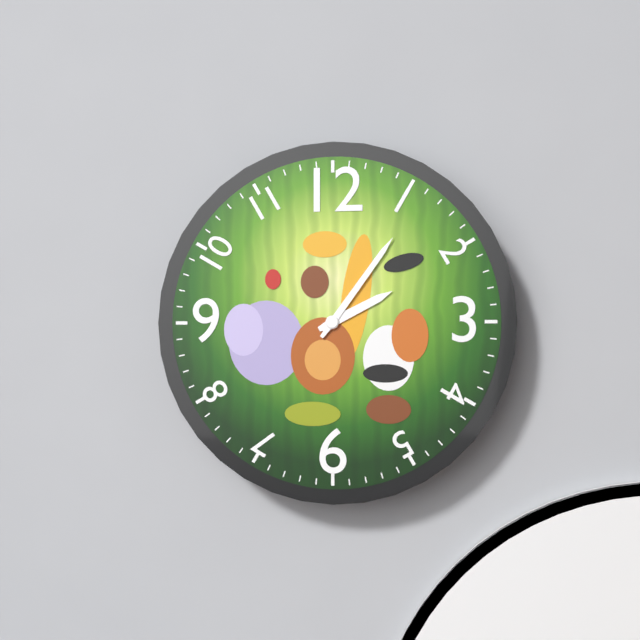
2:06
